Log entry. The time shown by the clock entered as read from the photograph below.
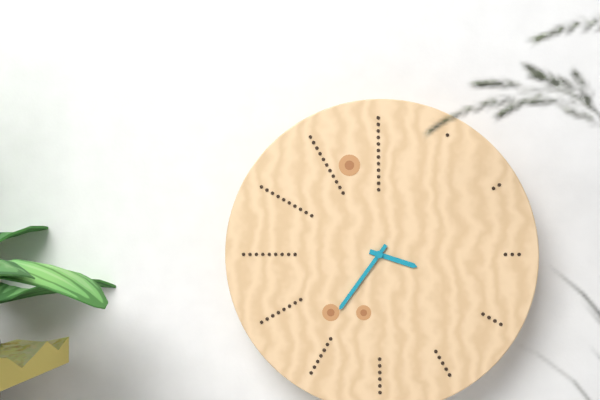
3:36
